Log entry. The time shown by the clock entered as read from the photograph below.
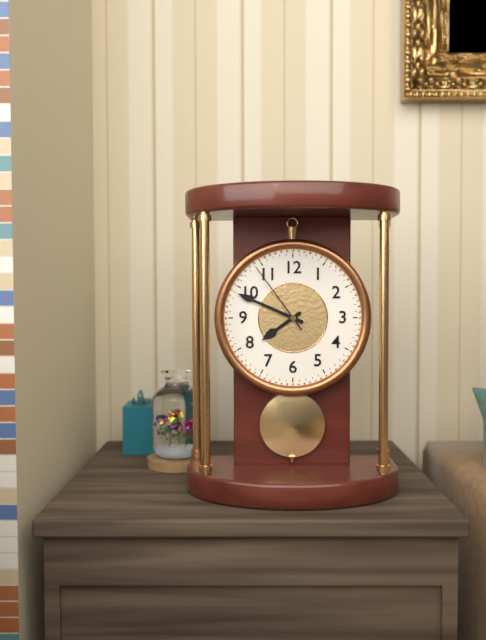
7:49:54
